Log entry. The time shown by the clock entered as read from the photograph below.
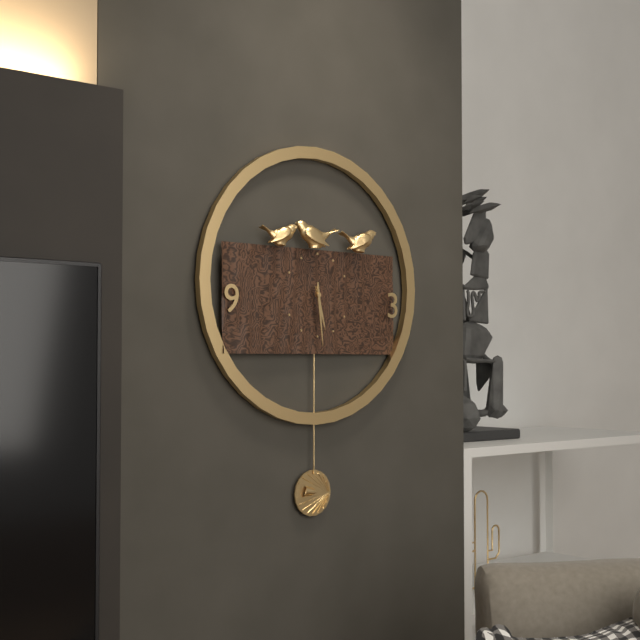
5:29
